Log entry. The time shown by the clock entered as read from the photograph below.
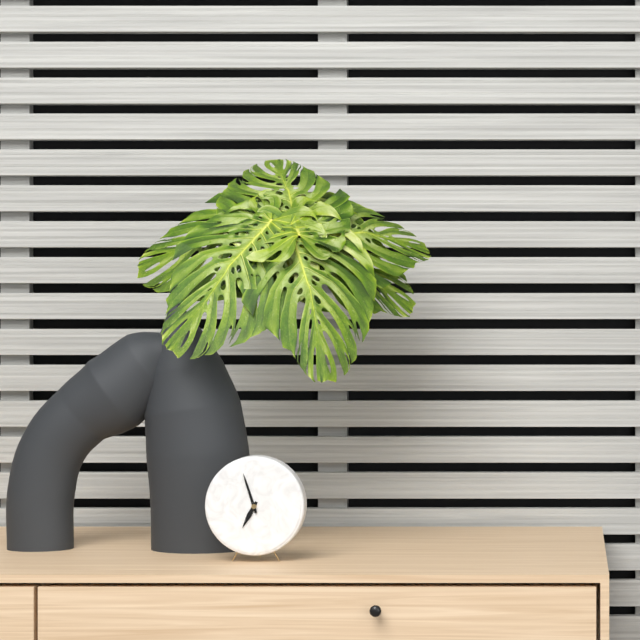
6:57
